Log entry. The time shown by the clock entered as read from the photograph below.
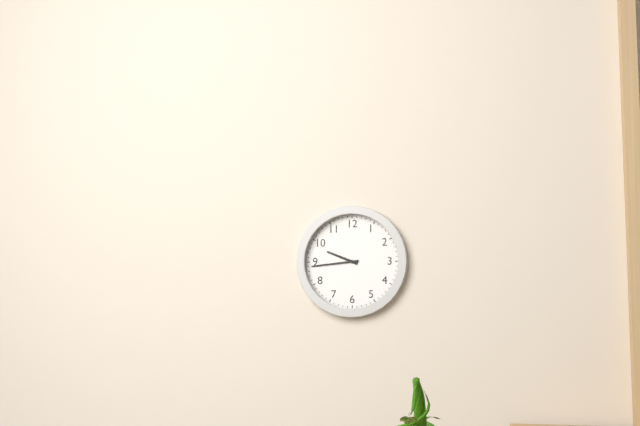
9:44
